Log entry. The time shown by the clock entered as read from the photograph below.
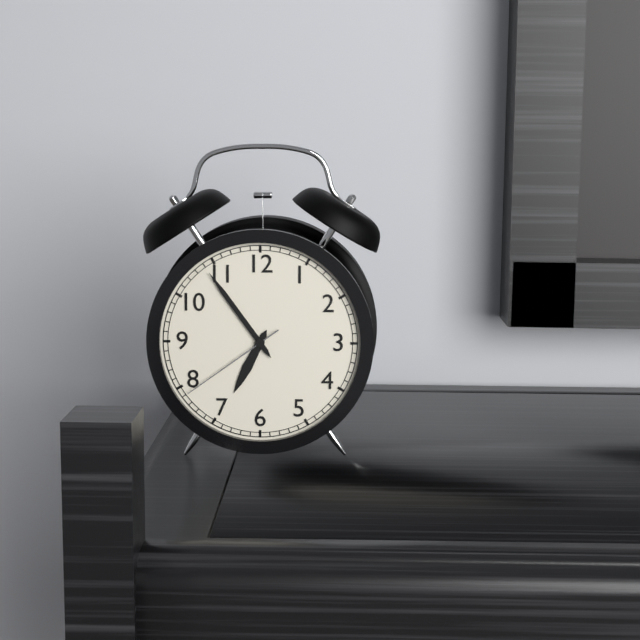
6:54:39
